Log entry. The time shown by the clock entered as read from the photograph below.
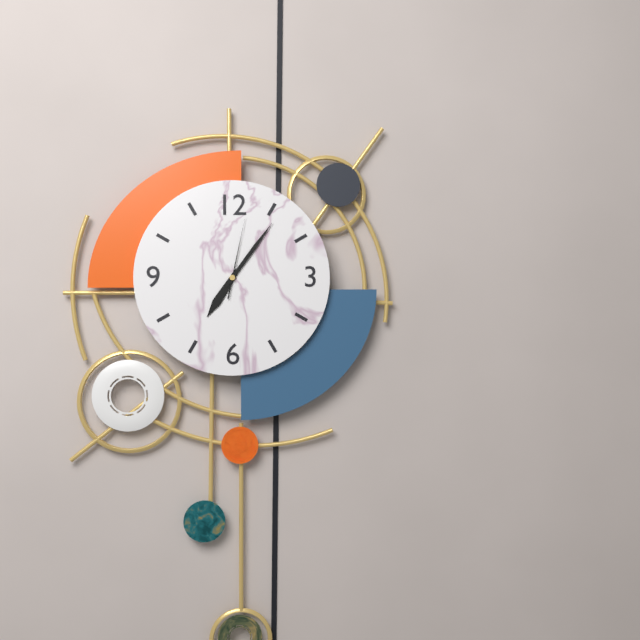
7:06:02
